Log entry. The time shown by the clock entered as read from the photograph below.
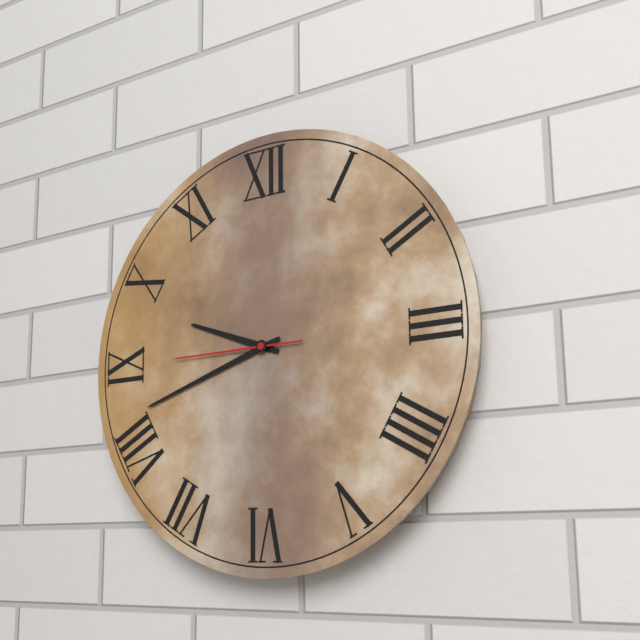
9:42:45
